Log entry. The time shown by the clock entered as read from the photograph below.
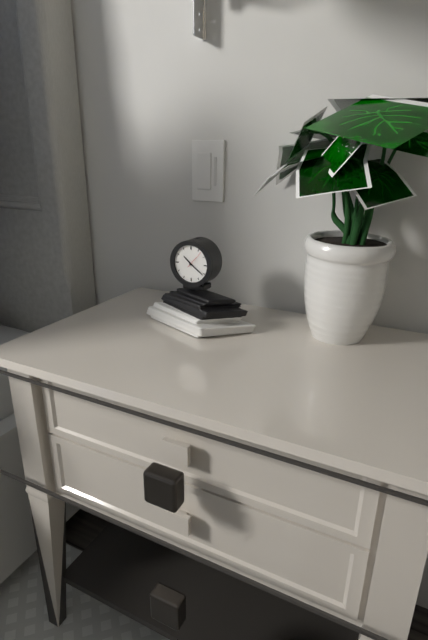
10:21
